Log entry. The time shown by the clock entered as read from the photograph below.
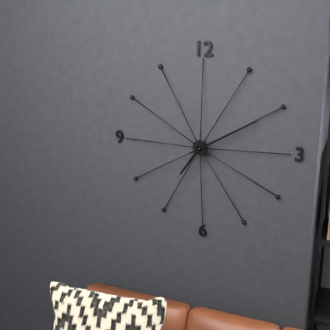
7:10
